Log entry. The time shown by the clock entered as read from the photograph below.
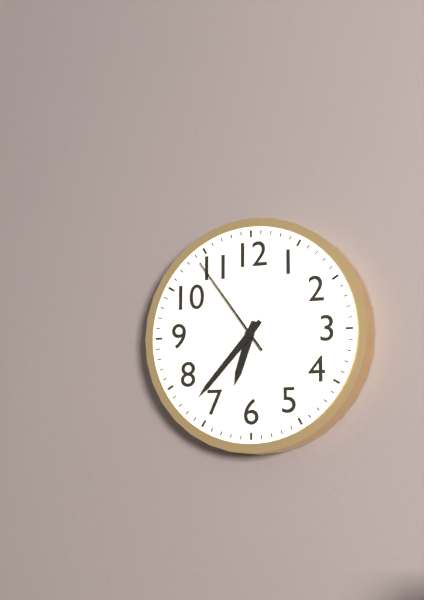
6:37:54
